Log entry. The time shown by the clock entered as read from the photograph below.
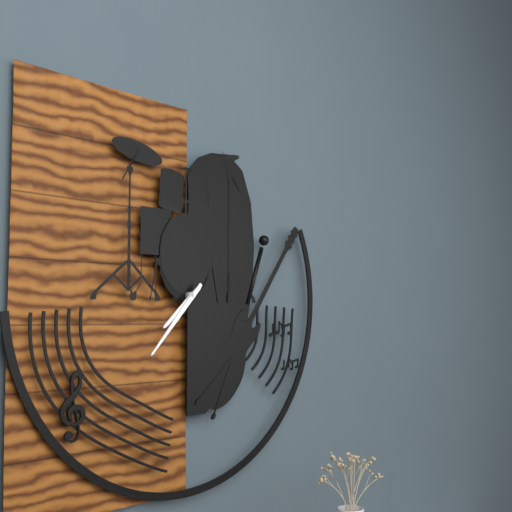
7:37
